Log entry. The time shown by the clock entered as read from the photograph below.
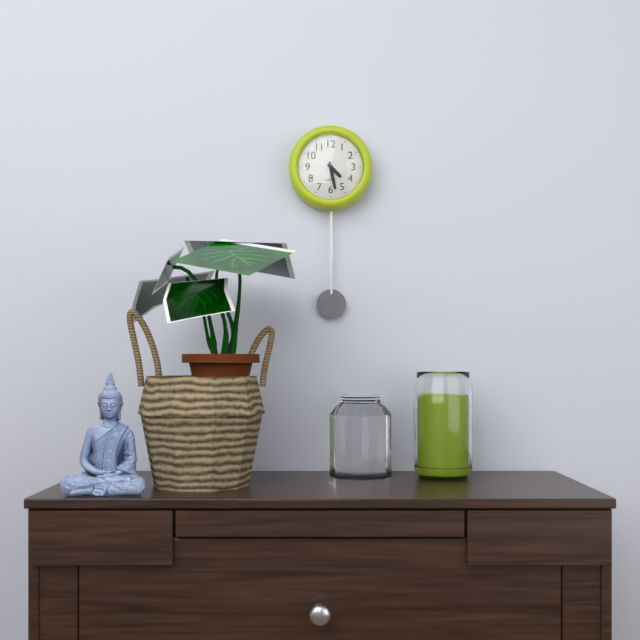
4:28
